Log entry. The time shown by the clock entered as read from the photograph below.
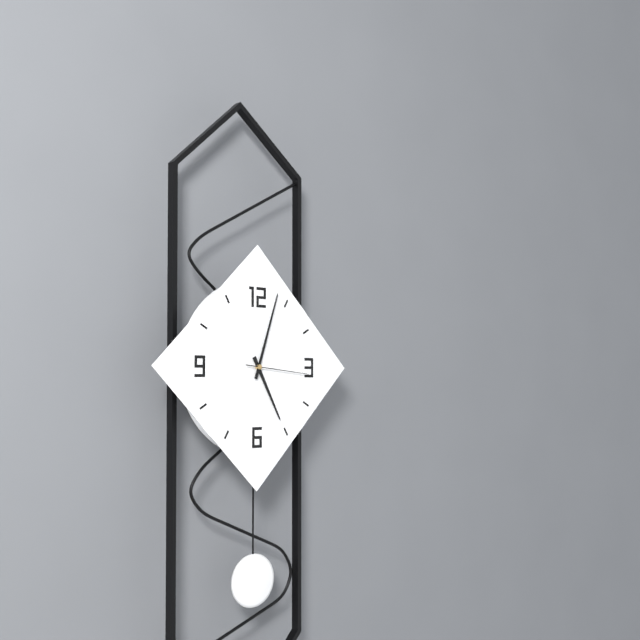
5:03:16
